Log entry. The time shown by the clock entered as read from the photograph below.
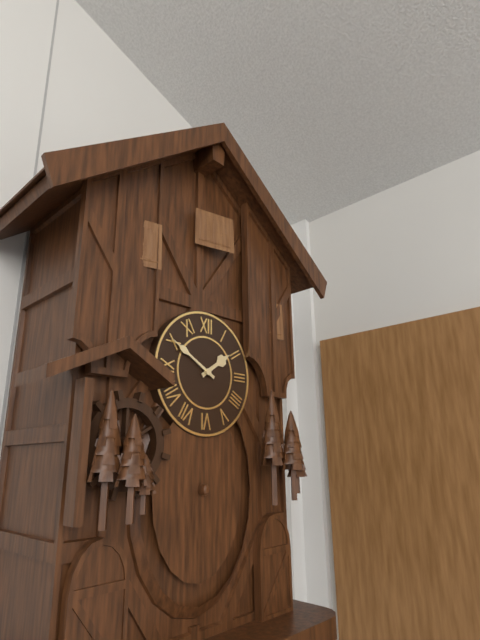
1:50
